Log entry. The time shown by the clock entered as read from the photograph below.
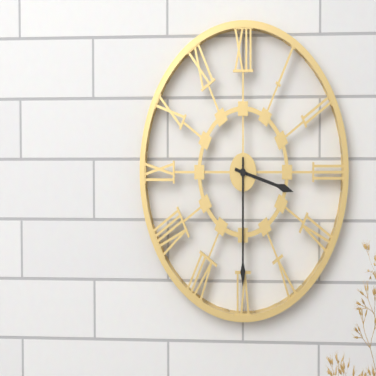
3:30
